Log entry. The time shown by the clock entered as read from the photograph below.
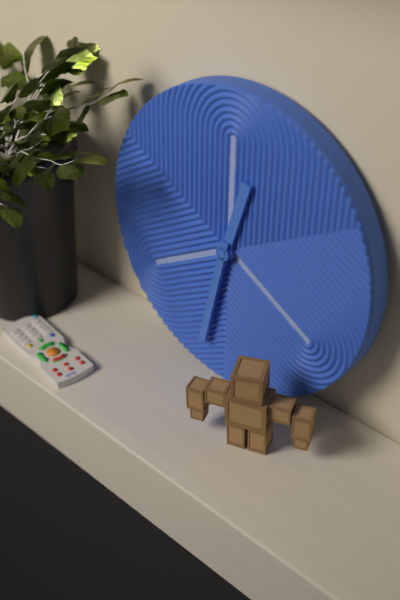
12:32
